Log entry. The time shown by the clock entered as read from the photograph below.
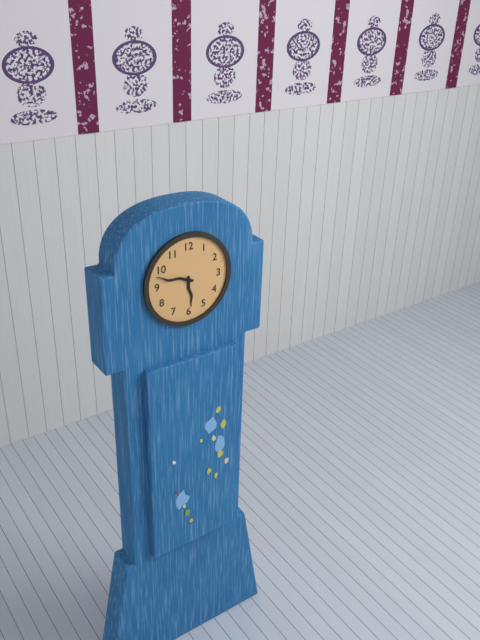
5:48
